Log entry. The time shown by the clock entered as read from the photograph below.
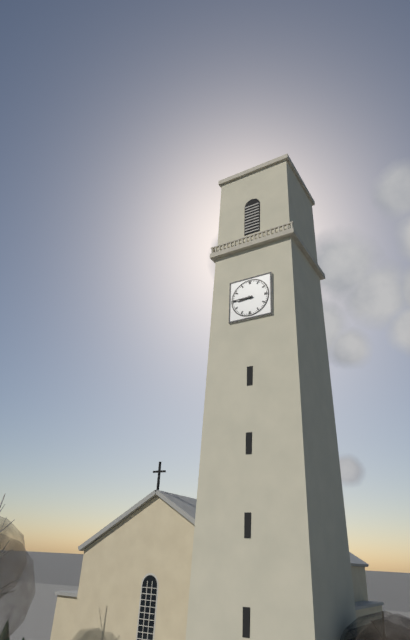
8:45
